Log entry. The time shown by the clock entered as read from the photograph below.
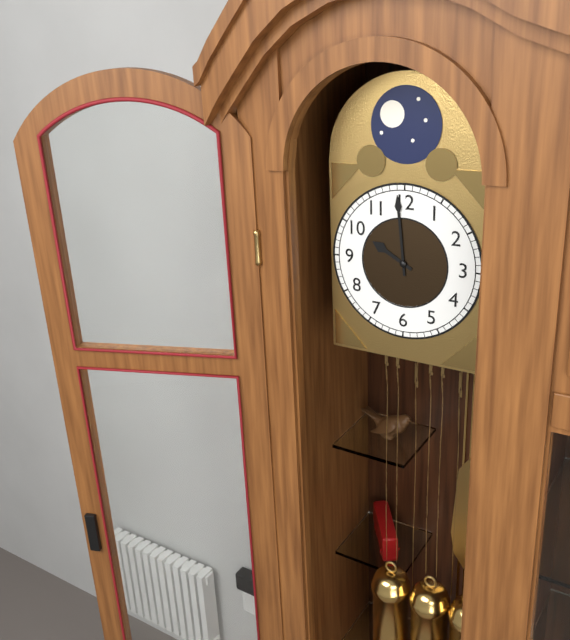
9:59
